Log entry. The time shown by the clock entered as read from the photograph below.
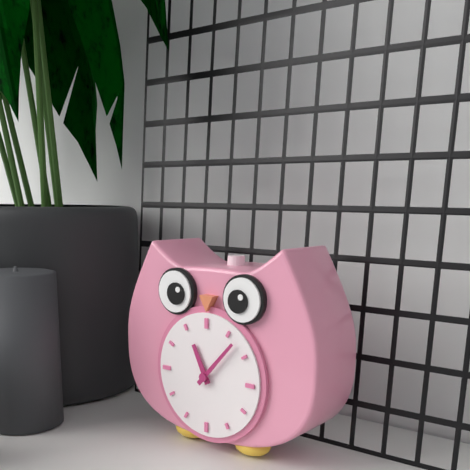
11:07
